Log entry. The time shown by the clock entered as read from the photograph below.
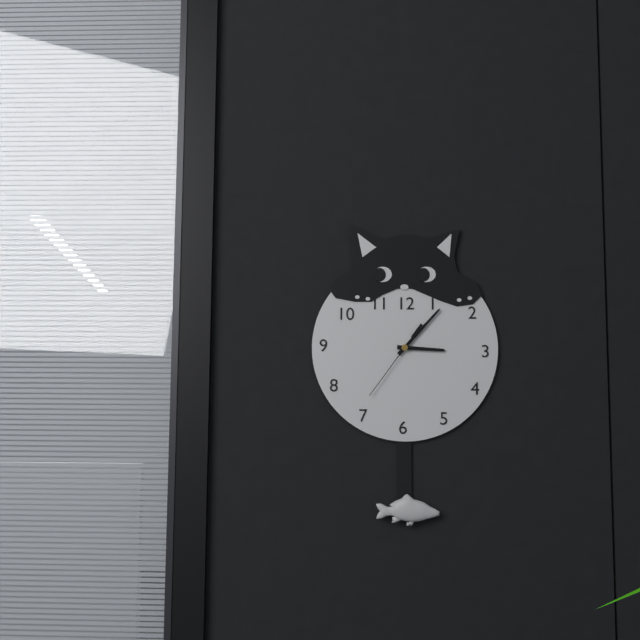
3:07:36
